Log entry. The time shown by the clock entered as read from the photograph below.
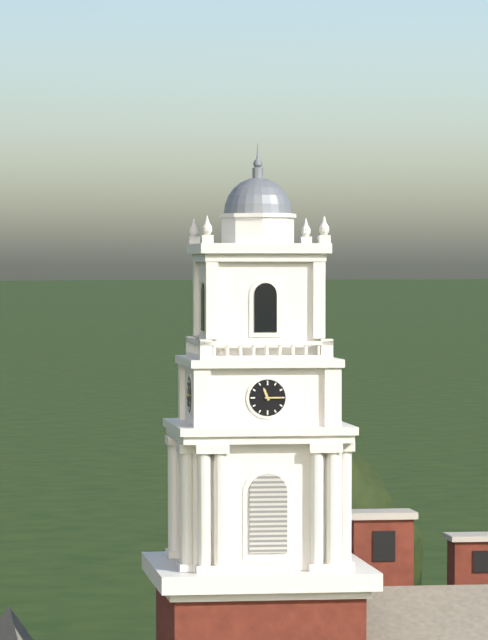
11:15
